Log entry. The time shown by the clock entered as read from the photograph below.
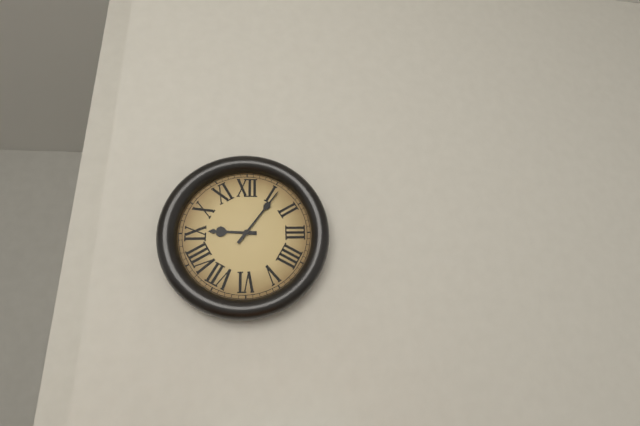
9:06
